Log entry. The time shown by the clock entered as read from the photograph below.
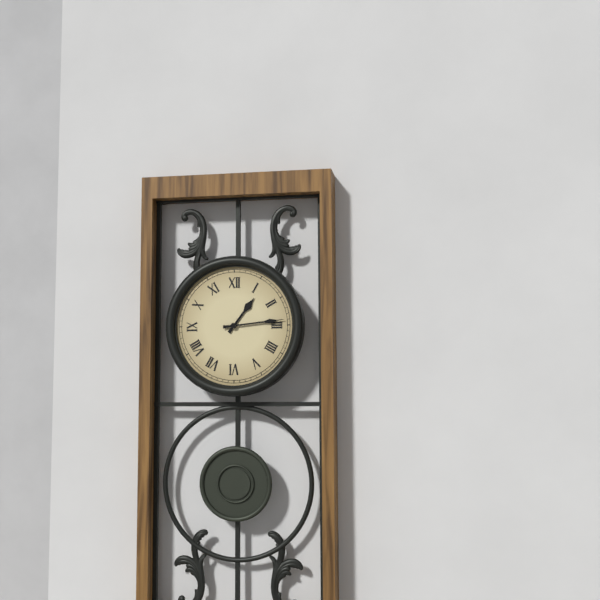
1:14
